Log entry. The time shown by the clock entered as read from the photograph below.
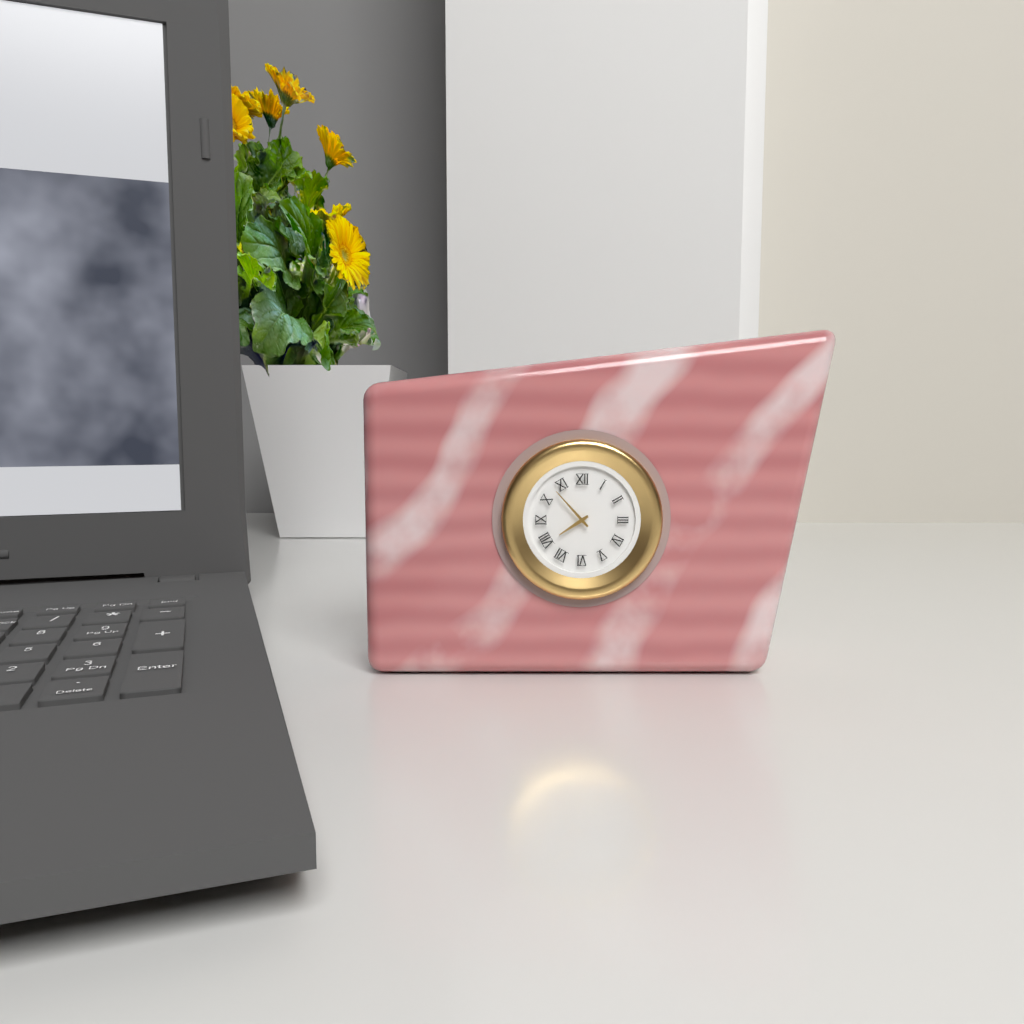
7:53
